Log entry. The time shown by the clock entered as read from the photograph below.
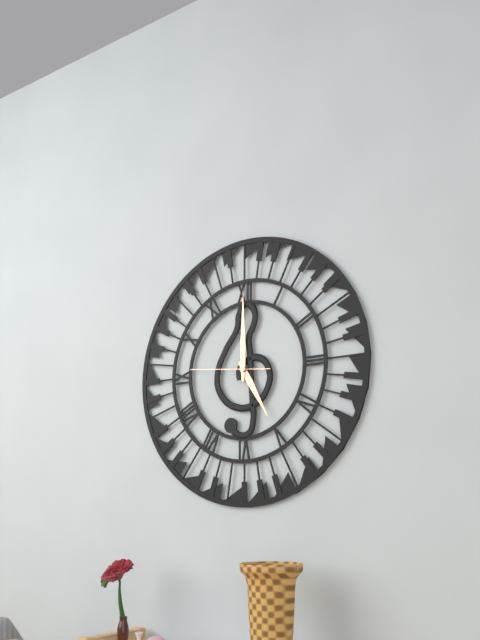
5:00:46
